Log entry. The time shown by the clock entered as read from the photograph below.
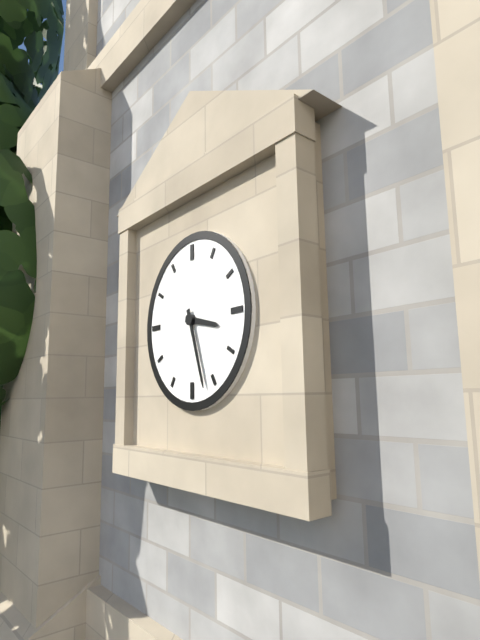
3:27
